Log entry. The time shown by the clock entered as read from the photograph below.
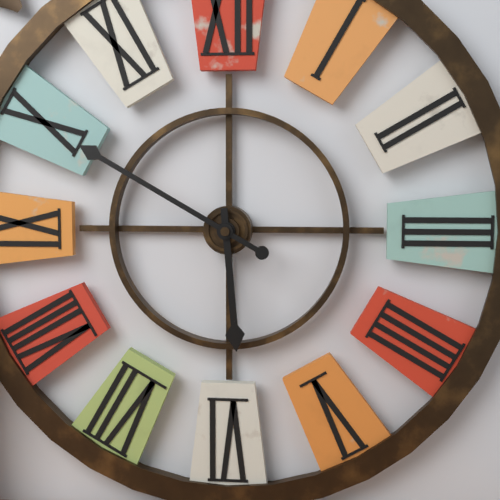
5:50
